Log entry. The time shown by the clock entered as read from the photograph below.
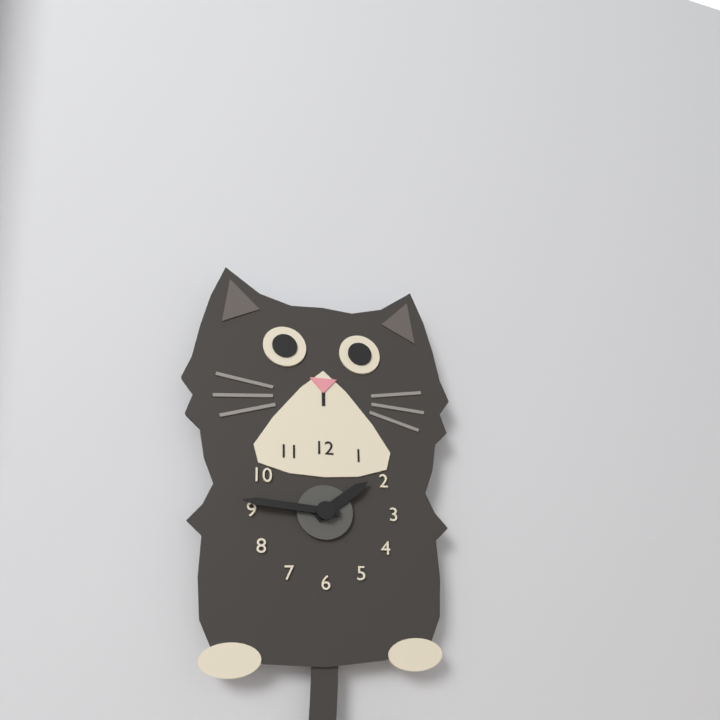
1:46
